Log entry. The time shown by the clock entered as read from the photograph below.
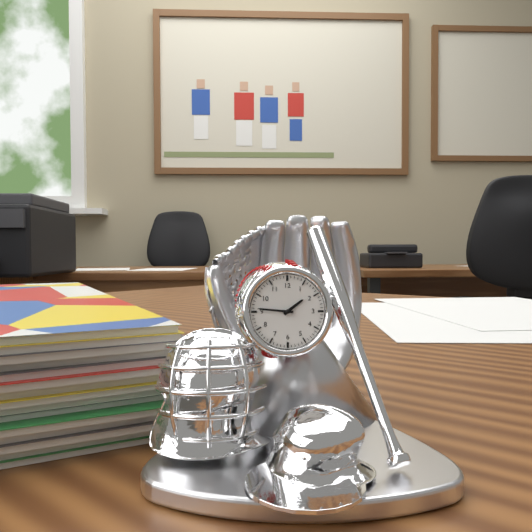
1:46
